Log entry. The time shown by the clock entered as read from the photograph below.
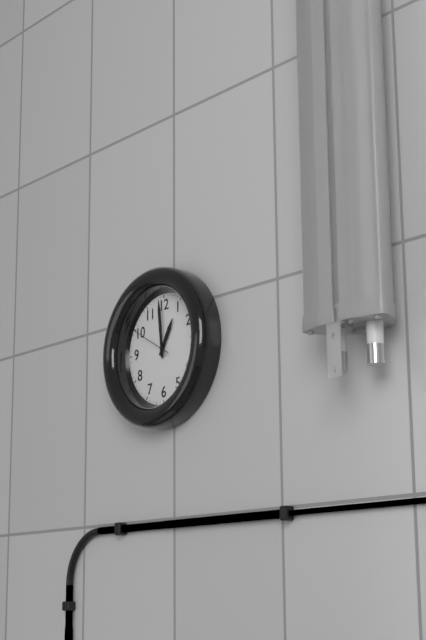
12:59
